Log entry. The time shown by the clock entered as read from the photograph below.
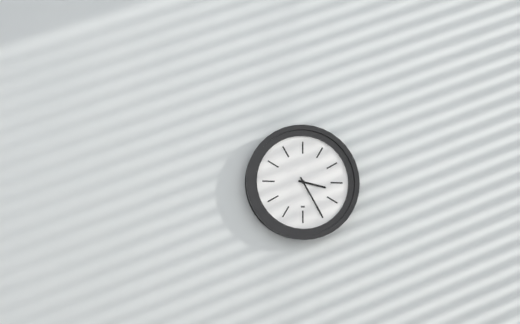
3:25
